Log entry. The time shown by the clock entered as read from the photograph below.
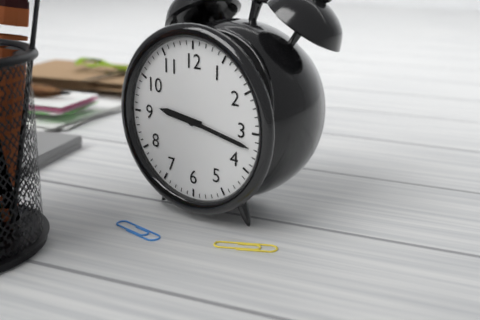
9:17
